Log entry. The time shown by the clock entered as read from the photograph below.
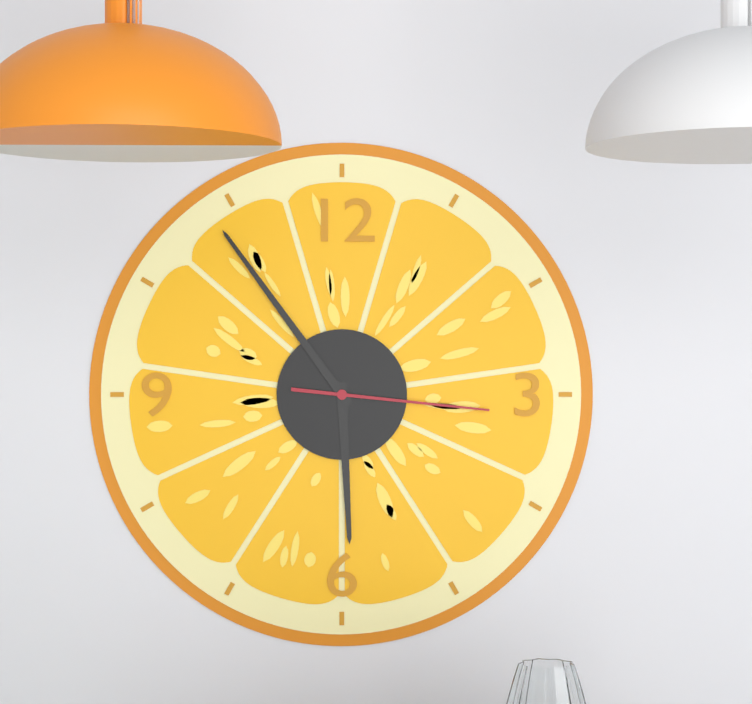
5:54:16
